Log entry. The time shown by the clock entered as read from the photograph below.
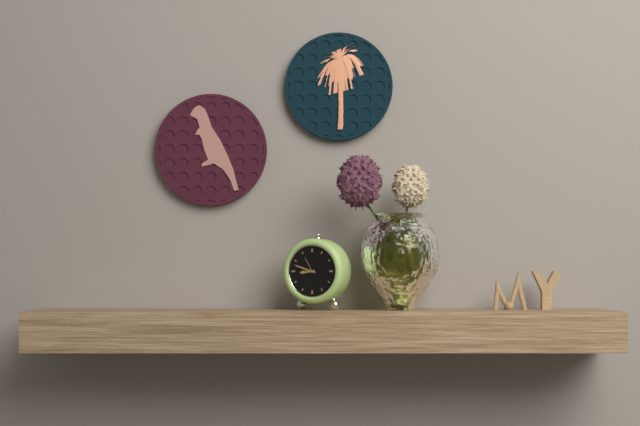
8:48
